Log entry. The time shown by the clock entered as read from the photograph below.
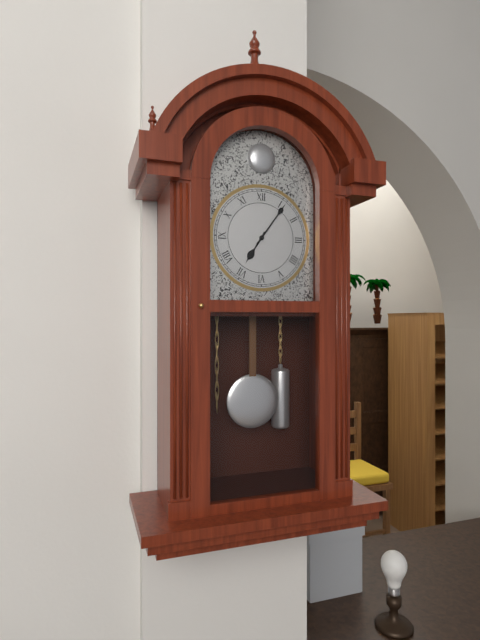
7:06
